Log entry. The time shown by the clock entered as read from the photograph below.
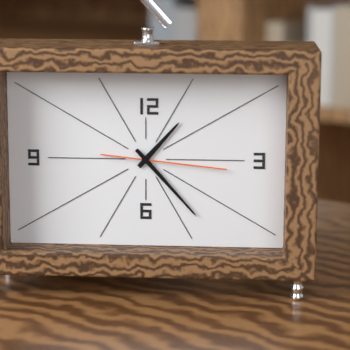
1:23:16
